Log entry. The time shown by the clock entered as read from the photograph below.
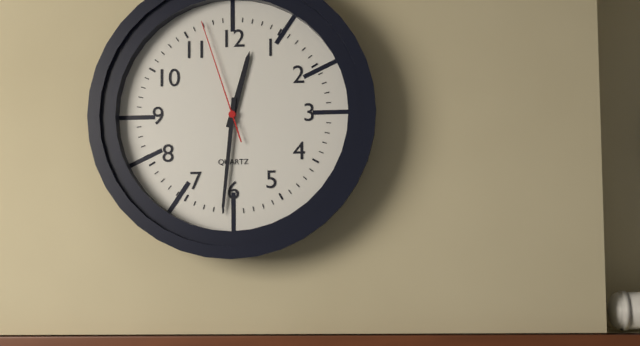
12:31:57
